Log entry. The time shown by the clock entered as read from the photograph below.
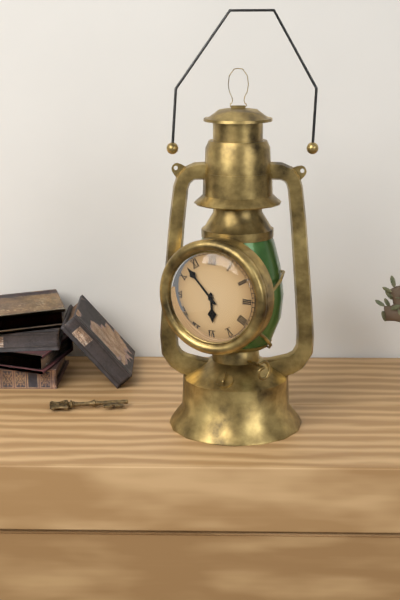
5:53
